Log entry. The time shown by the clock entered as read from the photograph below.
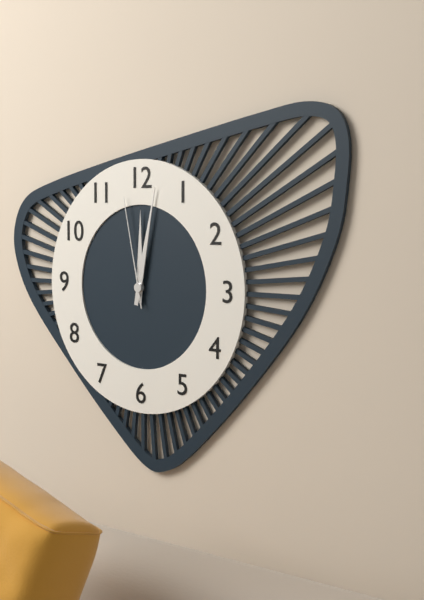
12:02:58
